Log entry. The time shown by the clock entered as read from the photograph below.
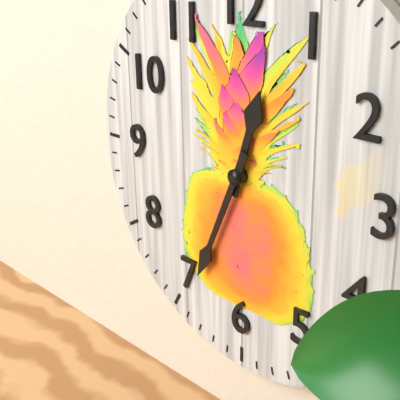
12:34
